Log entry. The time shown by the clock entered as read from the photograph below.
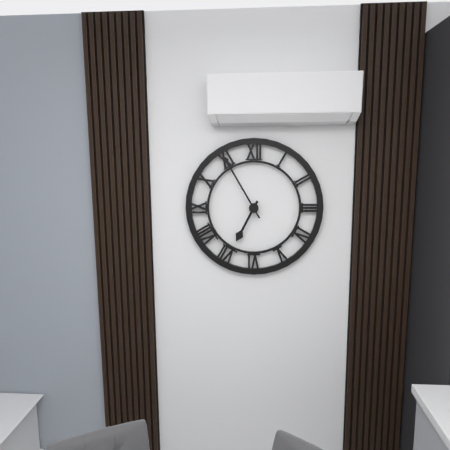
6:55
